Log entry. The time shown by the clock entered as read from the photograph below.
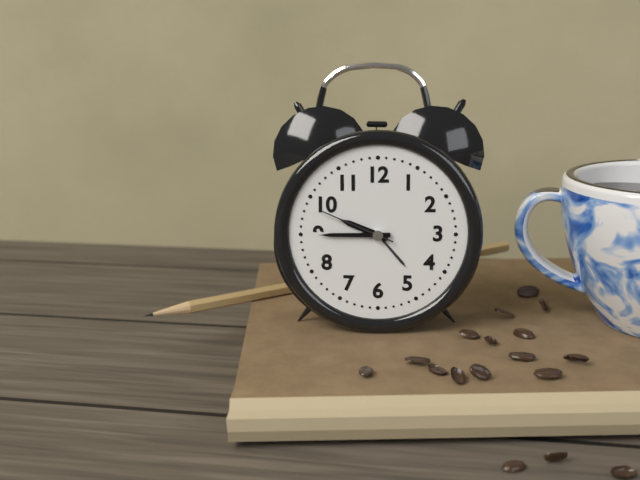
9:45:49
